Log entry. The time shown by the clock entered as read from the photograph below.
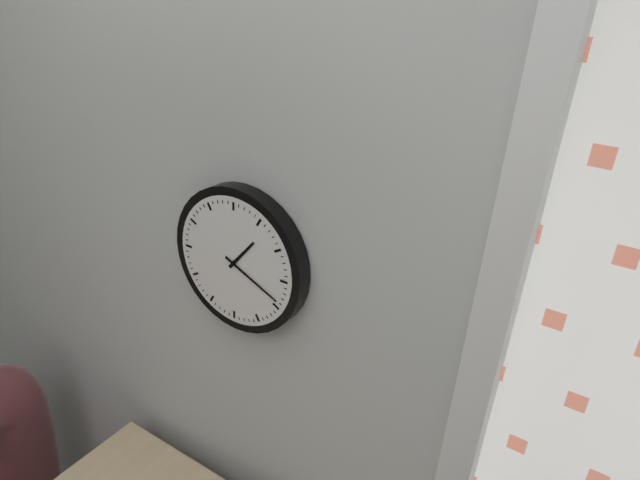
1:19
